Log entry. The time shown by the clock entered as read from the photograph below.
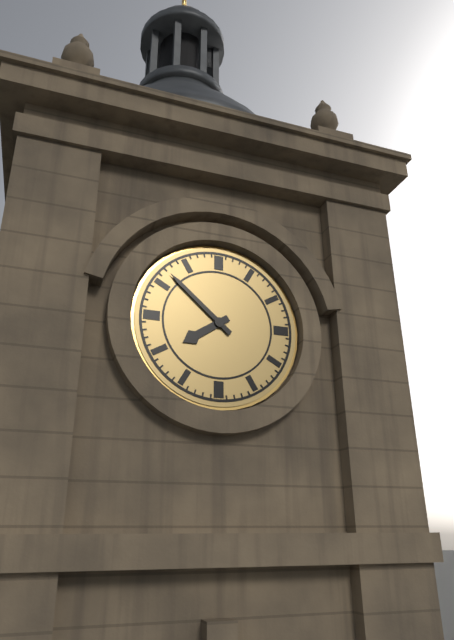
7:52
